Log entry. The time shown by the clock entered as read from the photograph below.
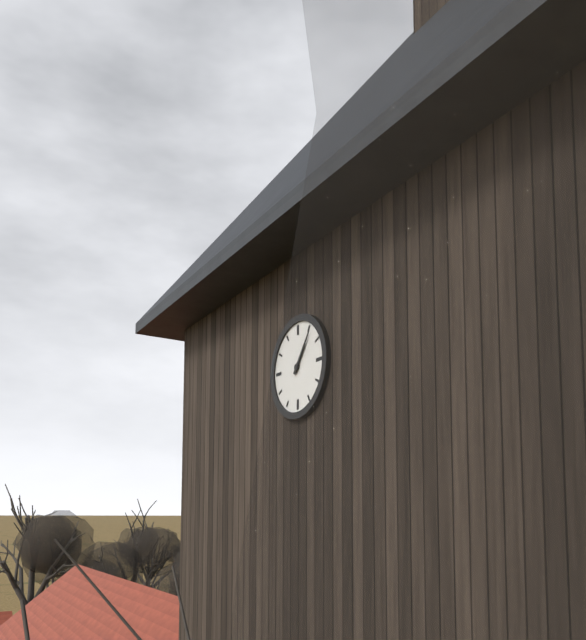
1:06
